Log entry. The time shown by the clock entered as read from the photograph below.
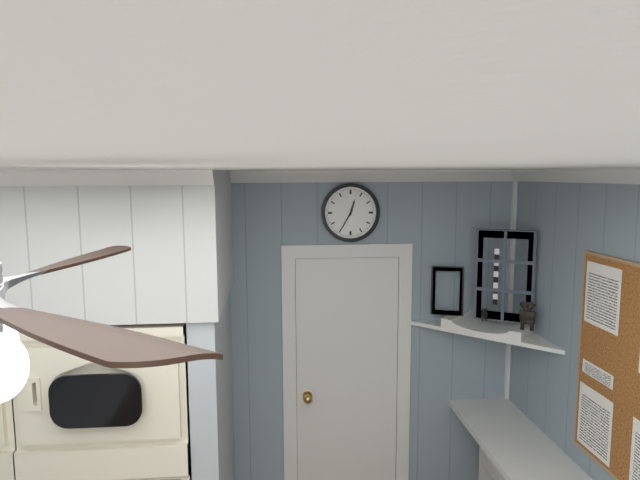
12:35
